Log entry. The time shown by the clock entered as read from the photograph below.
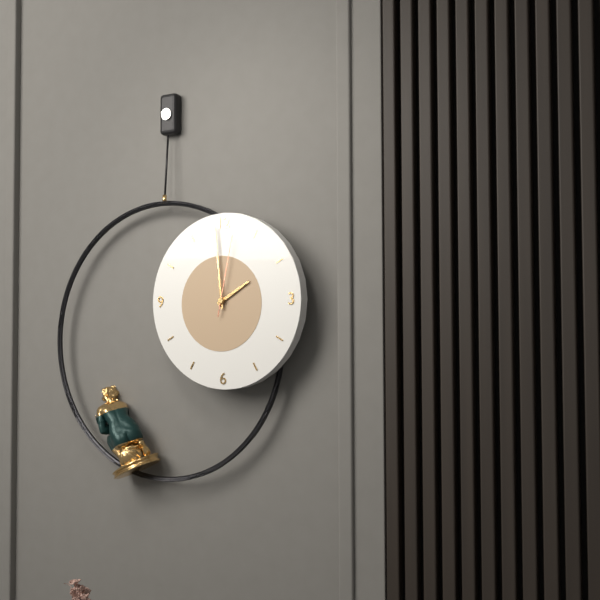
1:59:02
